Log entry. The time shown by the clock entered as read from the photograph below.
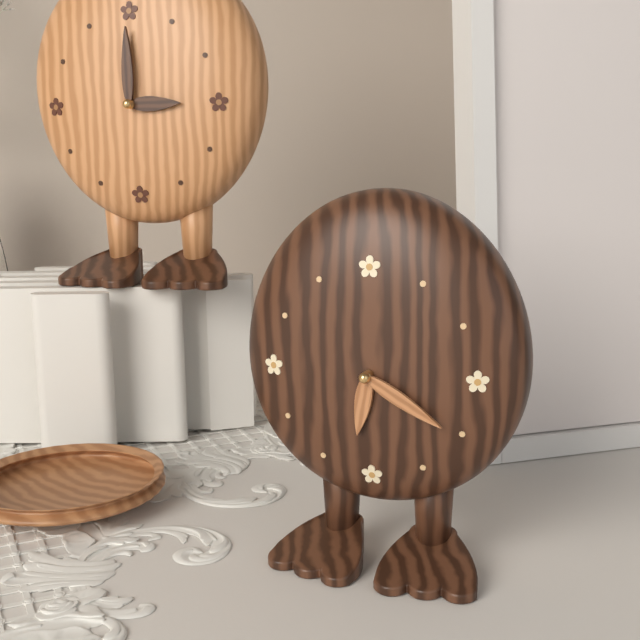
6:20
